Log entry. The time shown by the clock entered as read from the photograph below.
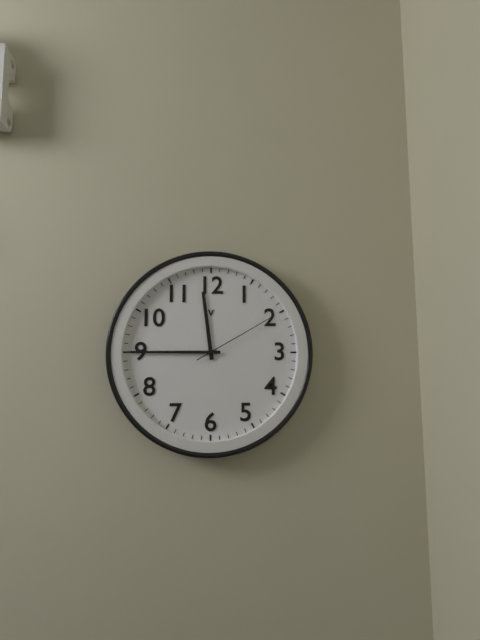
11:45:10
